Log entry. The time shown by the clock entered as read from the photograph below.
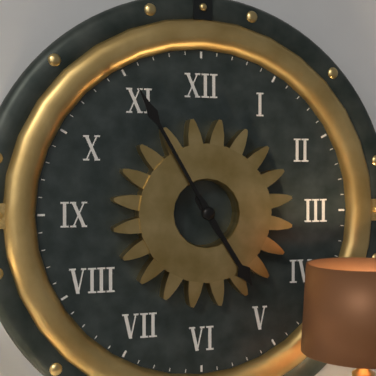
4:55
